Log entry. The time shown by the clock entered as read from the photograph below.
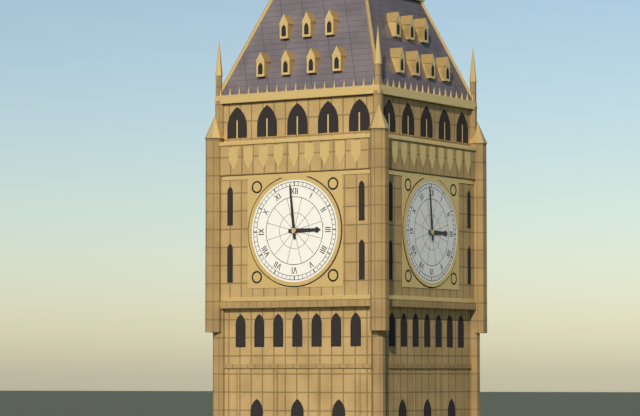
2:59
